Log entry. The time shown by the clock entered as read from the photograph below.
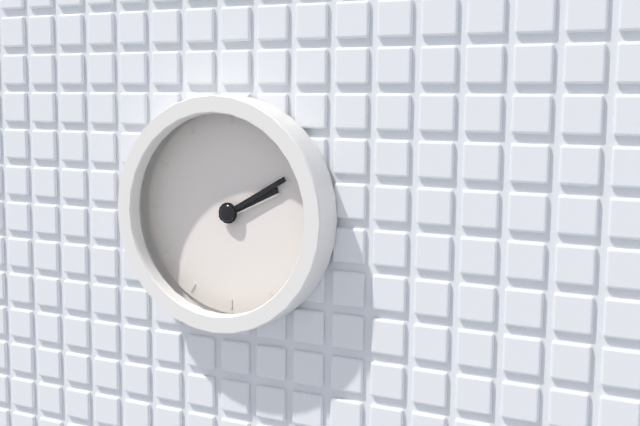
2:10
